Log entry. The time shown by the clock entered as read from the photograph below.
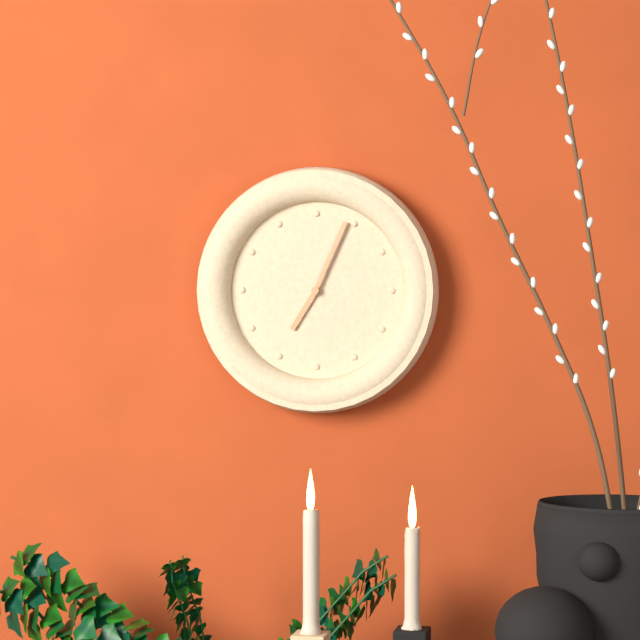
7:04
